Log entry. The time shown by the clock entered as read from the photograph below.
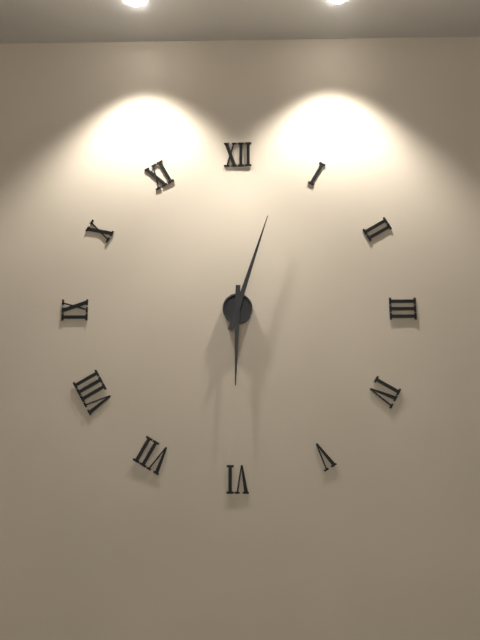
6:03
